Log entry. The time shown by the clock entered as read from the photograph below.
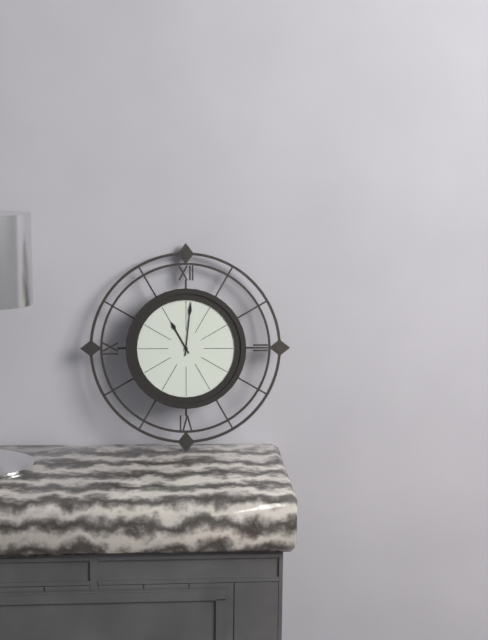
11:01
